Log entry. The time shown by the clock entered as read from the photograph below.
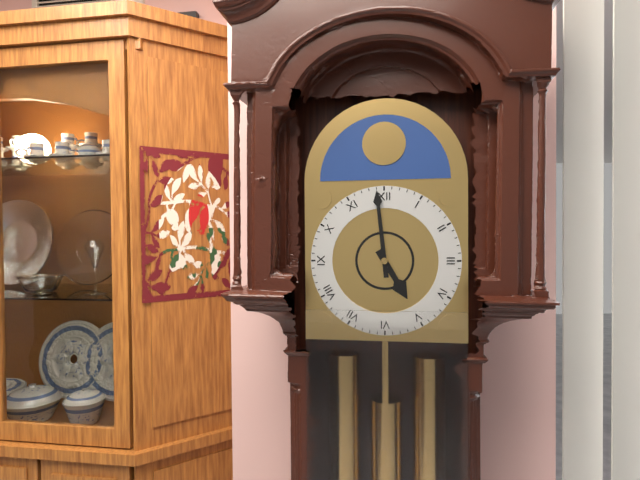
4:59
